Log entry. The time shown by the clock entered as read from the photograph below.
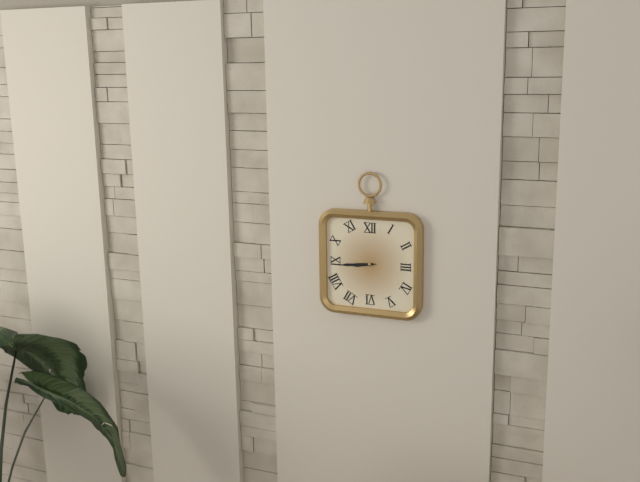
8:44
